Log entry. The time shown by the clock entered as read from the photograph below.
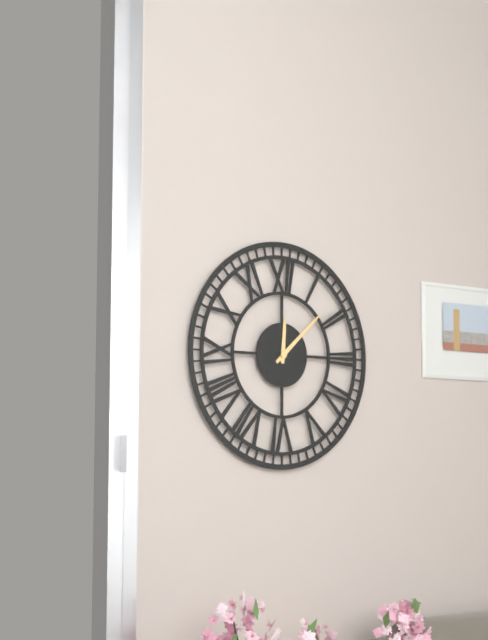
12:08
